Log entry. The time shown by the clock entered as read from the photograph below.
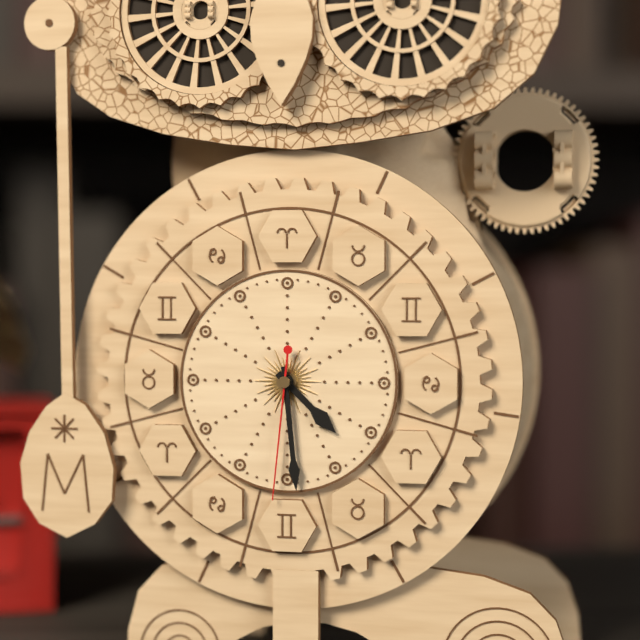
4:29:31
